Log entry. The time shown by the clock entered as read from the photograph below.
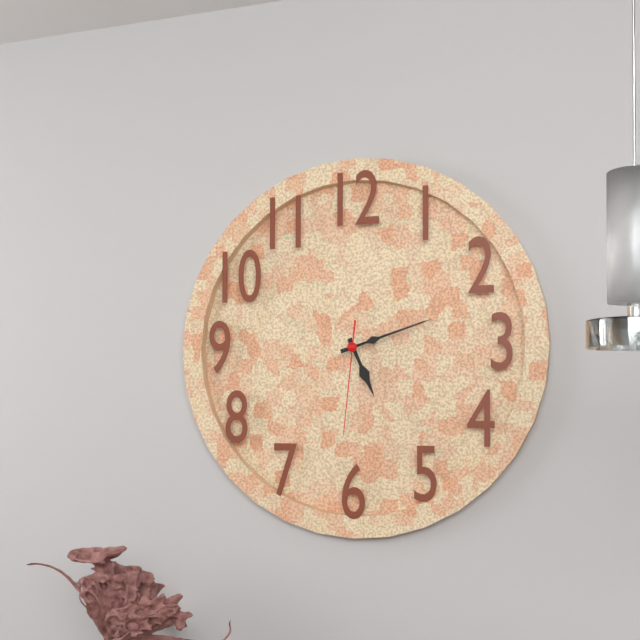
5:12:31
